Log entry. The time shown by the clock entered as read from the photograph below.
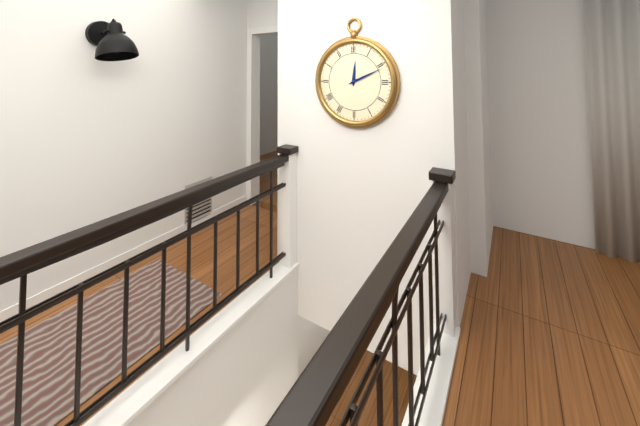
12:11
